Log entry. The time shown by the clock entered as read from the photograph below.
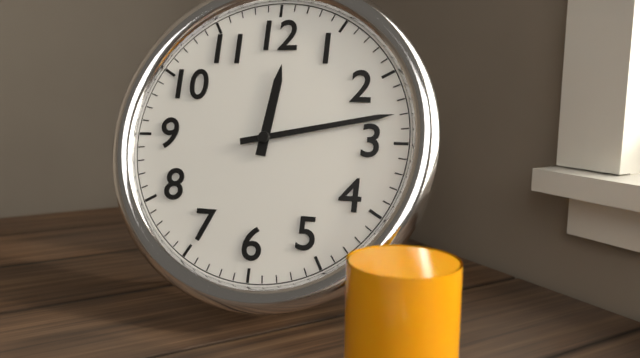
12:13
